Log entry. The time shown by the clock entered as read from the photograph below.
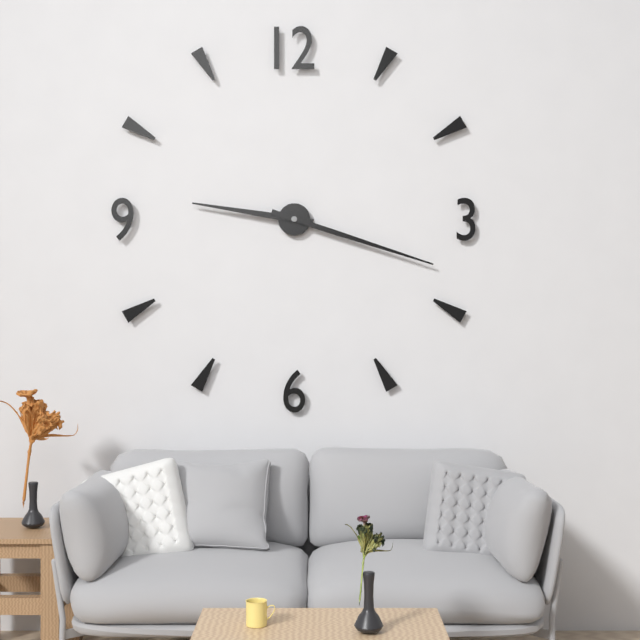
9:18
